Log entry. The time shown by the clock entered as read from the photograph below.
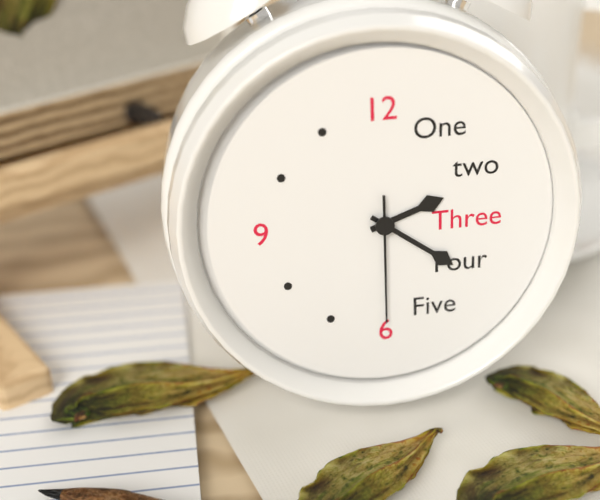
2:21:30
